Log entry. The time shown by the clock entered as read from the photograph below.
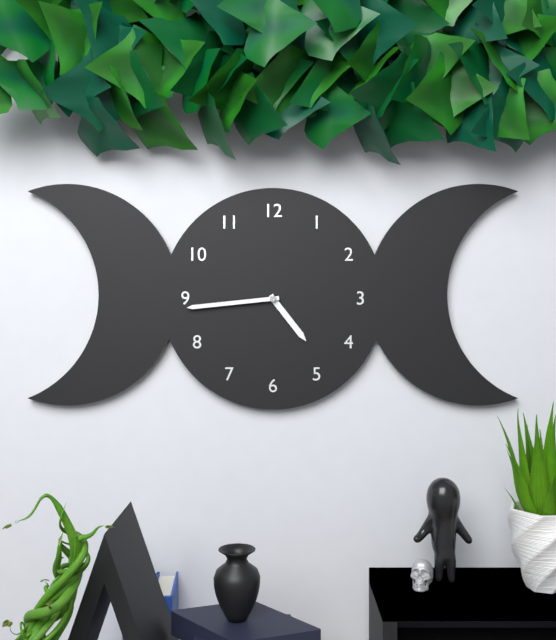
4:44
